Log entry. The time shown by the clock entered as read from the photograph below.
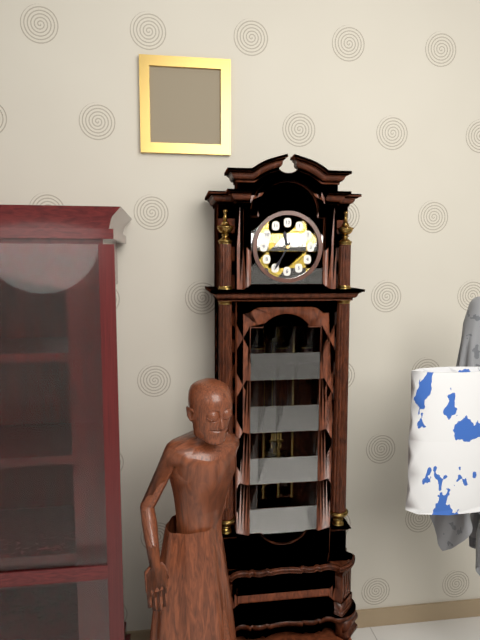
11:35
